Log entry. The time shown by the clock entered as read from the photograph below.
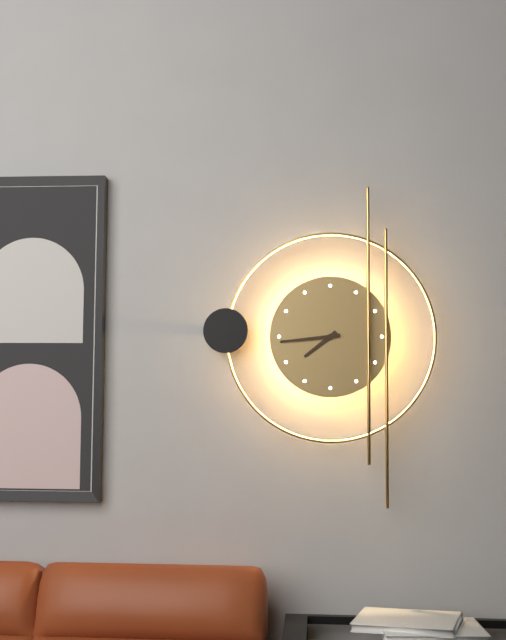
7:44
